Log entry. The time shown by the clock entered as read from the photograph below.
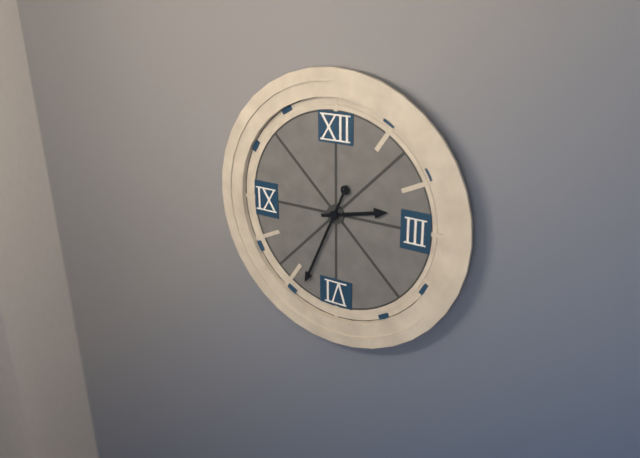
2:34
